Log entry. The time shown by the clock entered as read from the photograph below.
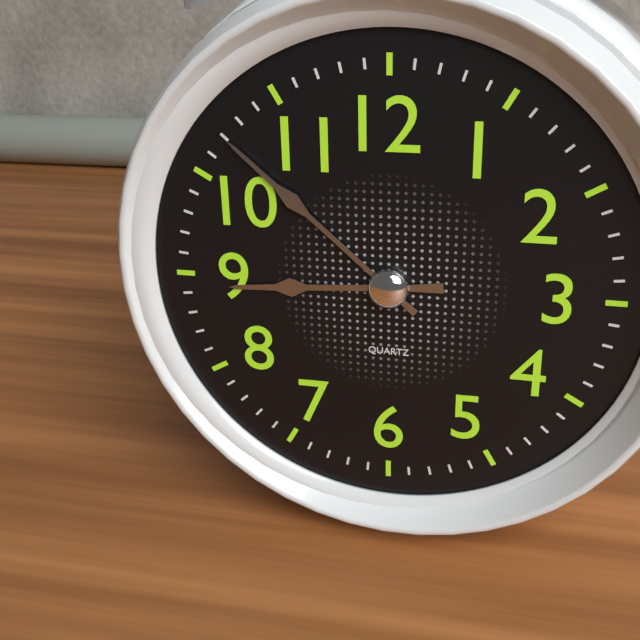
8:52
